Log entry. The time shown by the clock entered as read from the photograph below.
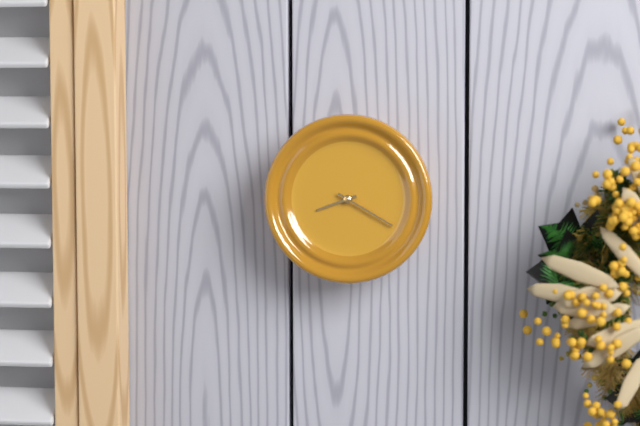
8:20
